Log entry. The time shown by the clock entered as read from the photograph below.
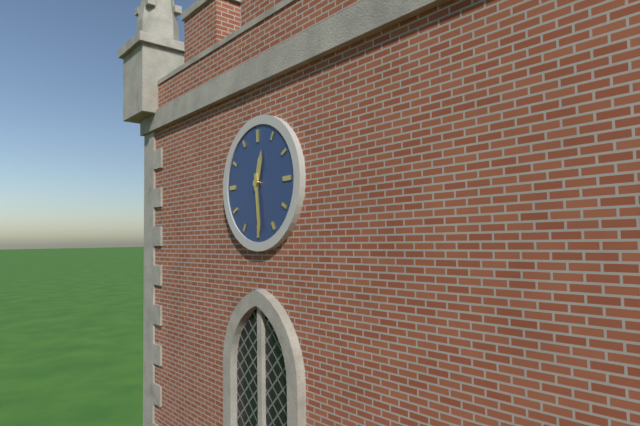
12:29
